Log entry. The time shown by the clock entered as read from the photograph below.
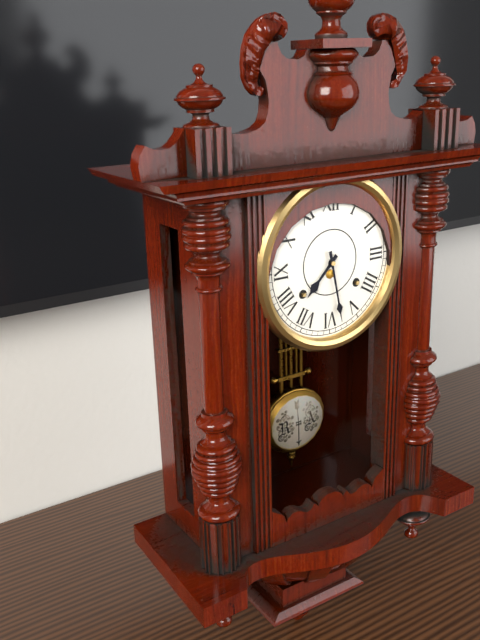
7:28
